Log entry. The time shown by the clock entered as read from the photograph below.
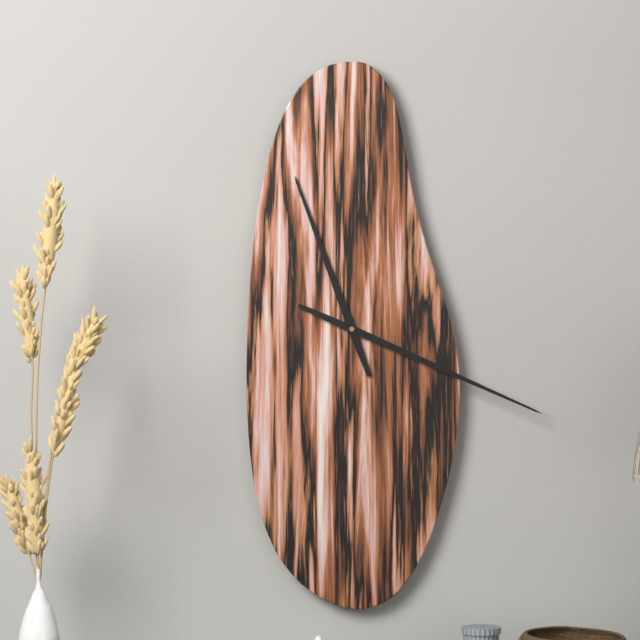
11:19
